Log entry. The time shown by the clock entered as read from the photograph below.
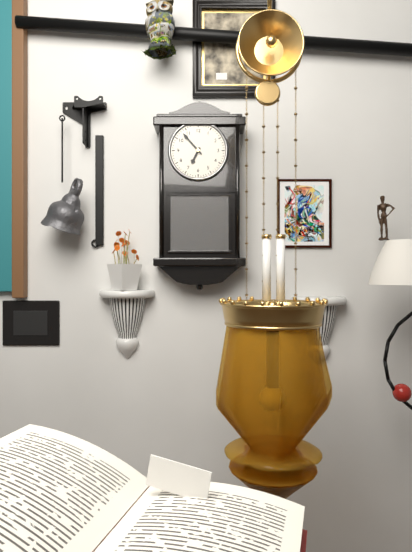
6:53
